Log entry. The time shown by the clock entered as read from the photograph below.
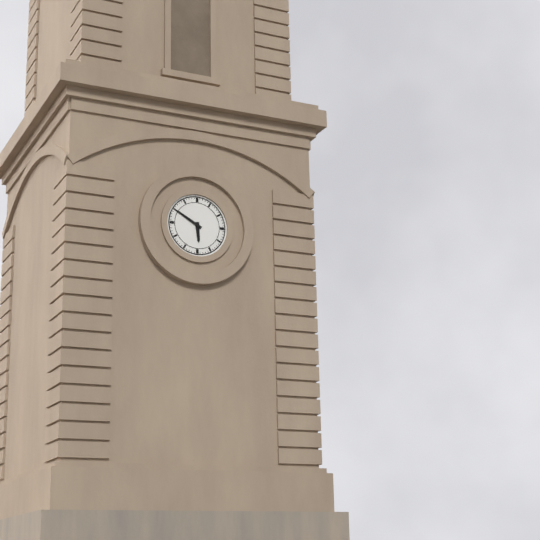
5:50
